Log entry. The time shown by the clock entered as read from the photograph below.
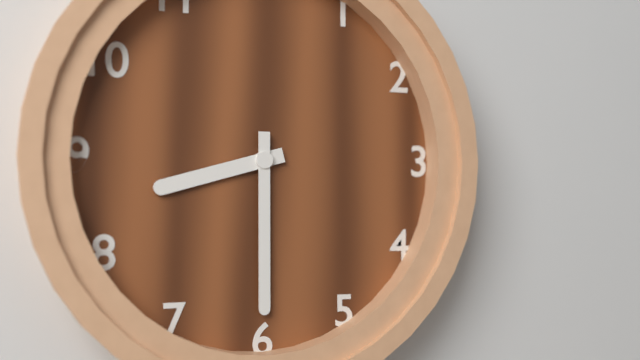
8:30
